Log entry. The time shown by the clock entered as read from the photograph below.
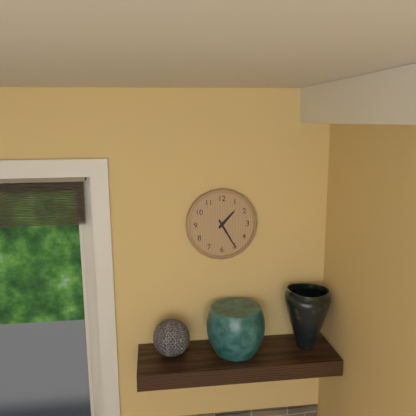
1:25
